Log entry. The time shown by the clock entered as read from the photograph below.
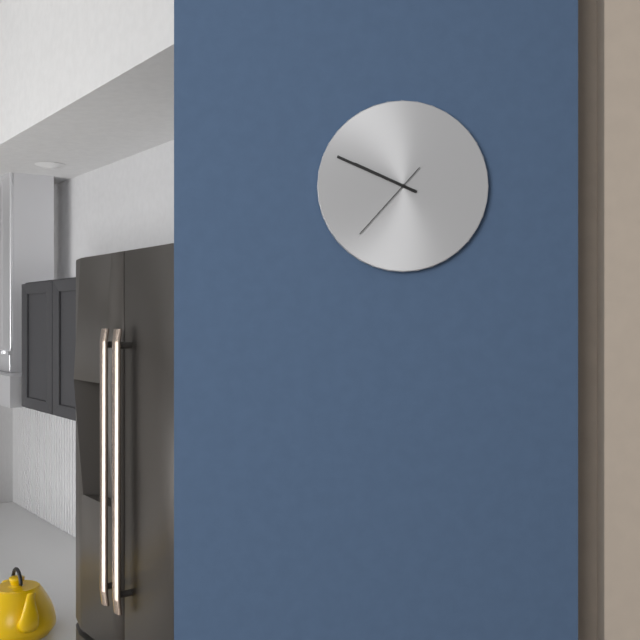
9:49:37
